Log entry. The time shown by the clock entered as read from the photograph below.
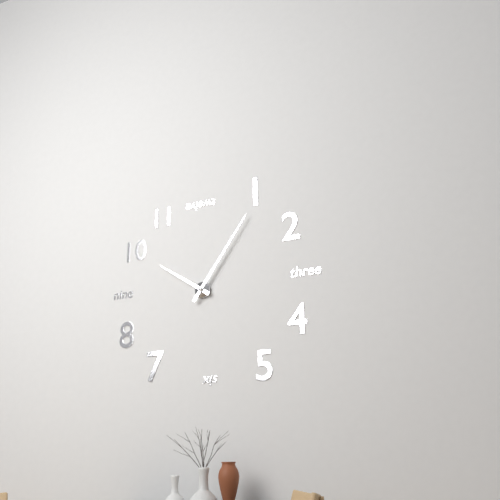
10:06
